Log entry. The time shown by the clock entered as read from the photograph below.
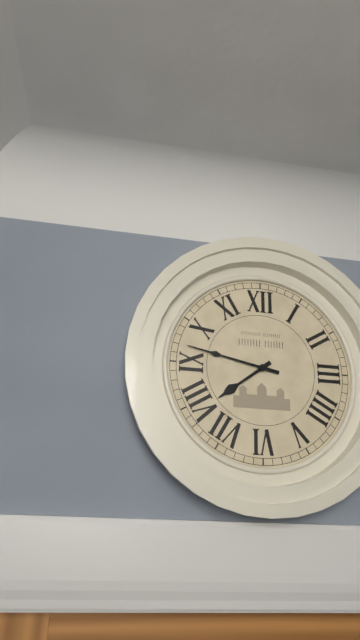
7:47
